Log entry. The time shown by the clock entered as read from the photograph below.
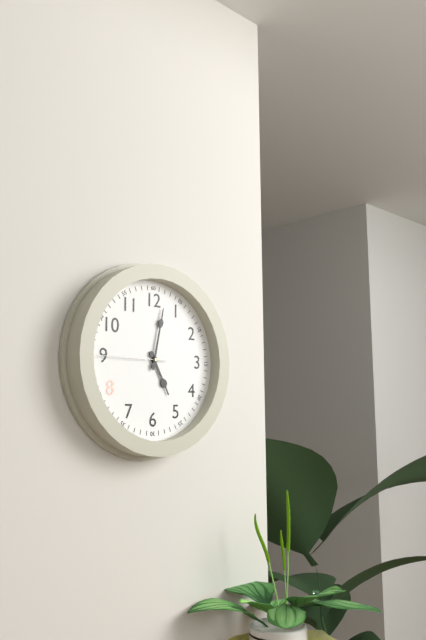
5:02:45
